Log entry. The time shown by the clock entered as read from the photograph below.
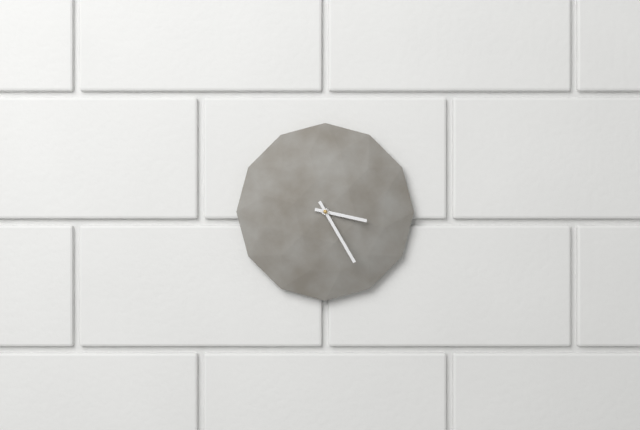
3:25
